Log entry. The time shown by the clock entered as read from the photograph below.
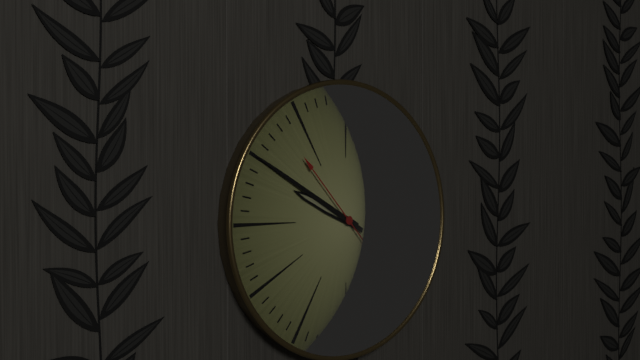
9:50:53
